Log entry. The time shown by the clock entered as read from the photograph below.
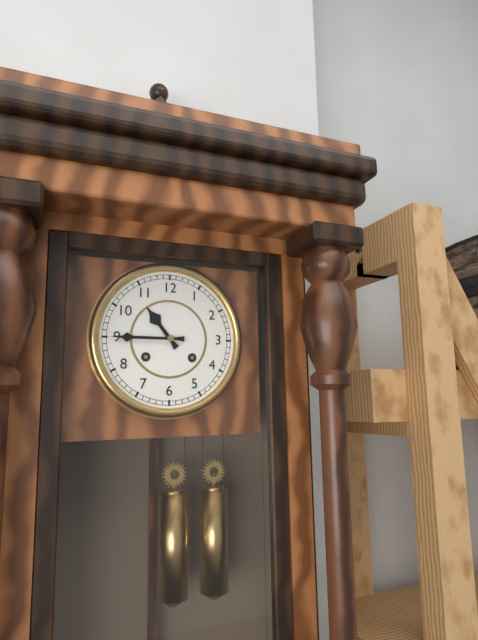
10:45
